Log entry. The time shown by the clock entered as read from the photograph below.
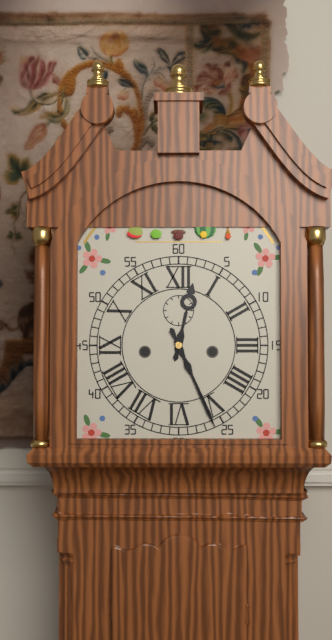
12:26
